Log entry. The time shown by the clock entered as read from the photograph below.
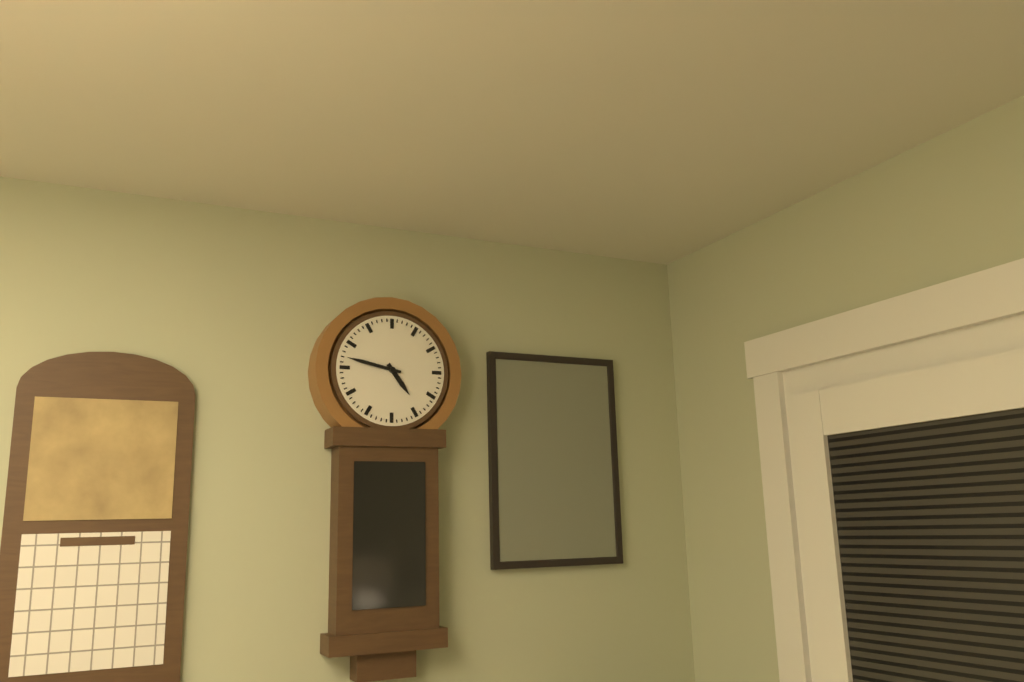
4:47
